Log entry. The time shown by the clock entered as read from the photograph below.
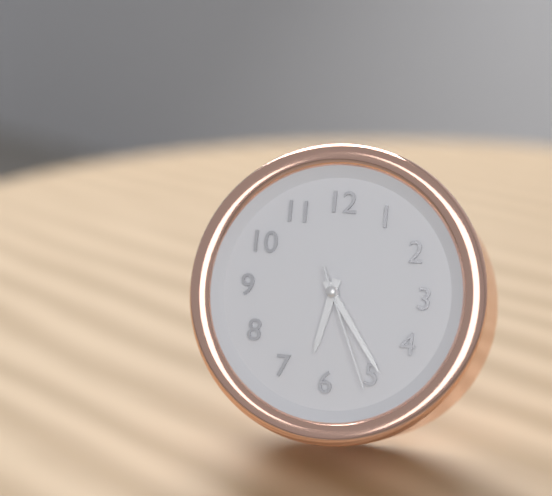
6:24:26
